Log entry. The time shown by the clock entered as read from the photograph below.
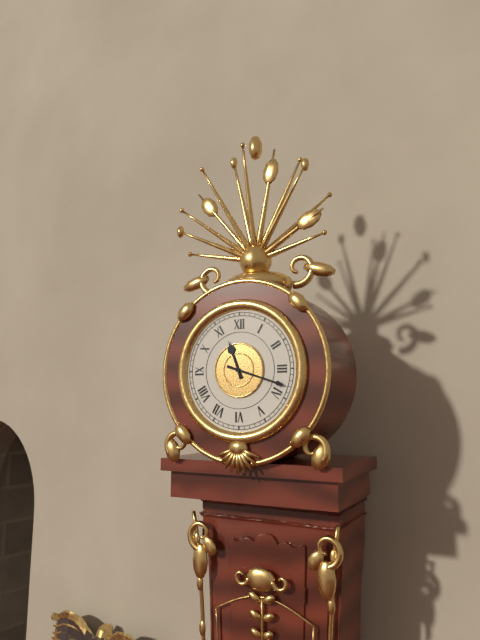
11:18
